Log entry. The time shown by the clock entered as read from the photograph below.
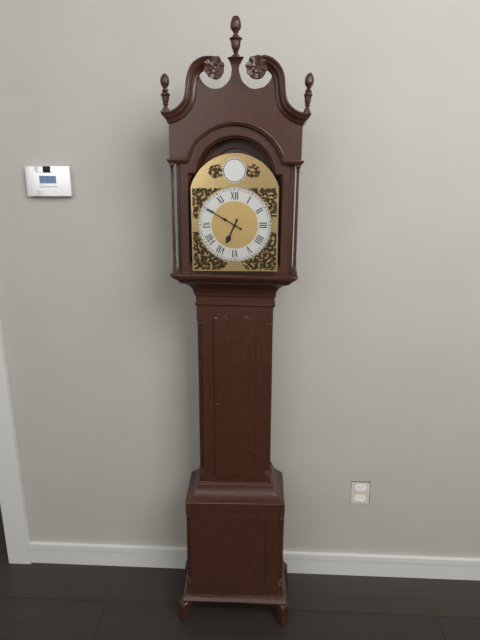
6:50
